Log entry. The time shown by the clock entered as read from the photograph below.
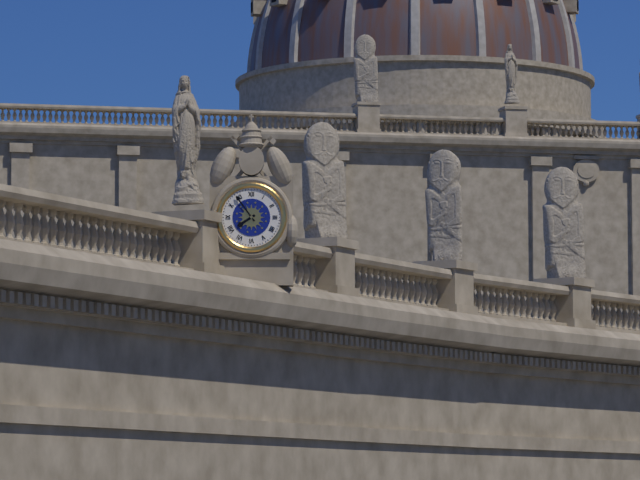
7:54
